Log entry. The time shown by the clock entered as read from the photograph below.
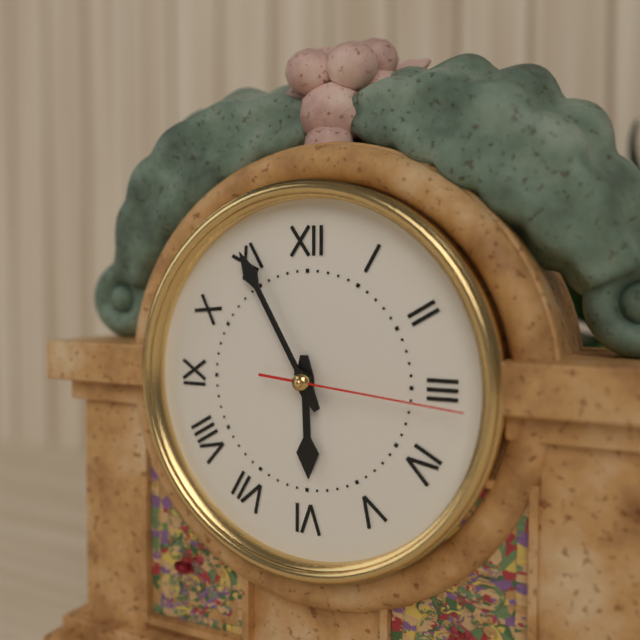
5:55:16
